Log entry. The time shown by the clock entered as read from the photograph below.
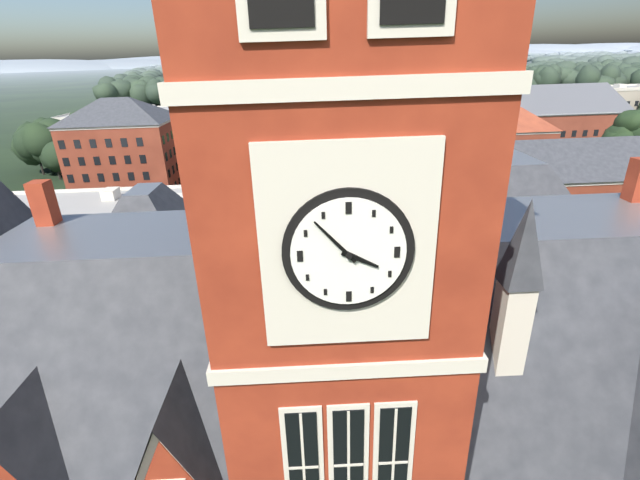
3:53
